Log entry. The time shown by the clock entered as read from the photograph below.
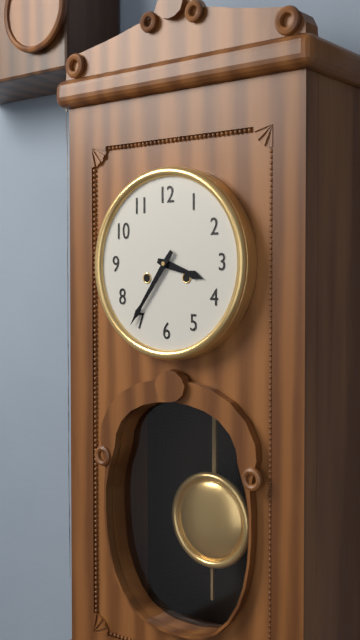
3:36
